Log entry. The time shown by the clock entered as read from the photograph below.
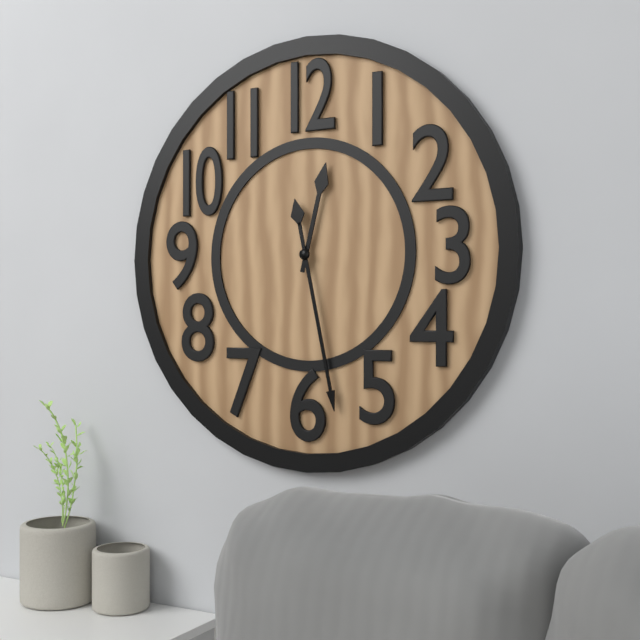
12:28
